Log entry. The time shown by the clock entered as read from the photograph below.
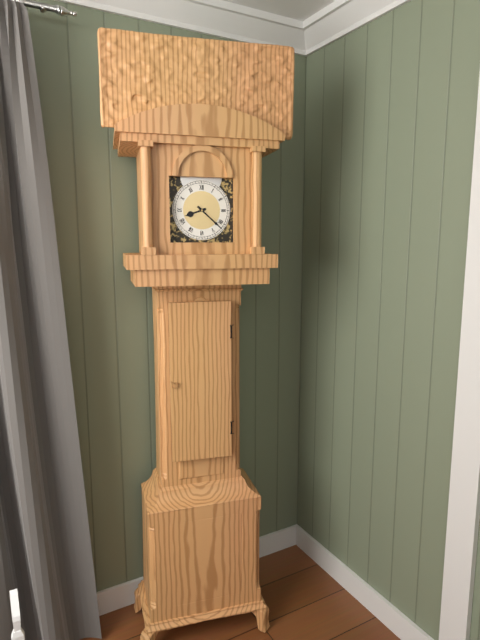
8:22
